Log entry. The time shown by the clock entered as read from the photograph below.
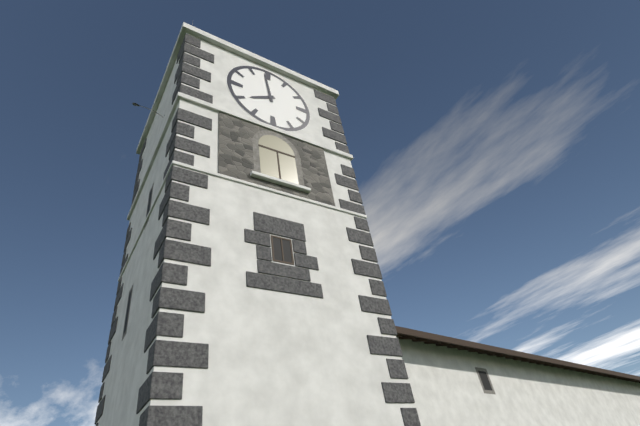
7:59
